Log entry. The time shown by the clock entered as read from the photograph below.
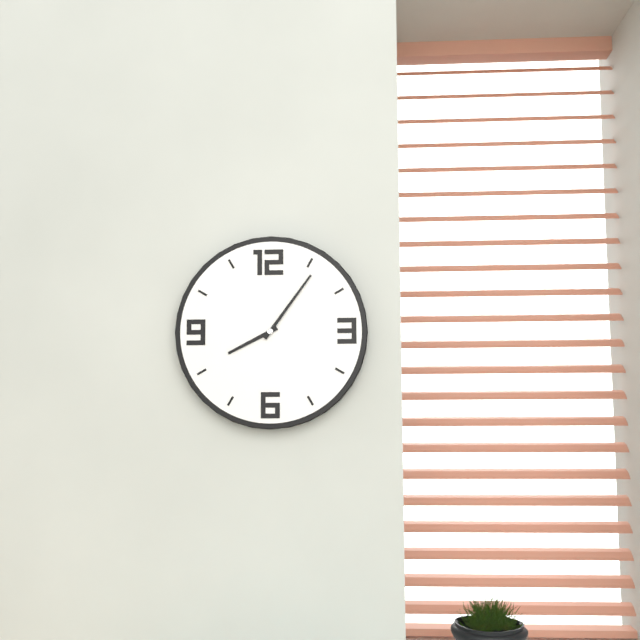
8:06
